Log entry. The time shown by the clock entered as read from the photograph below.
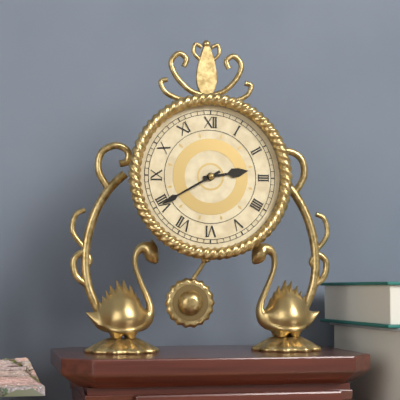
2:40
